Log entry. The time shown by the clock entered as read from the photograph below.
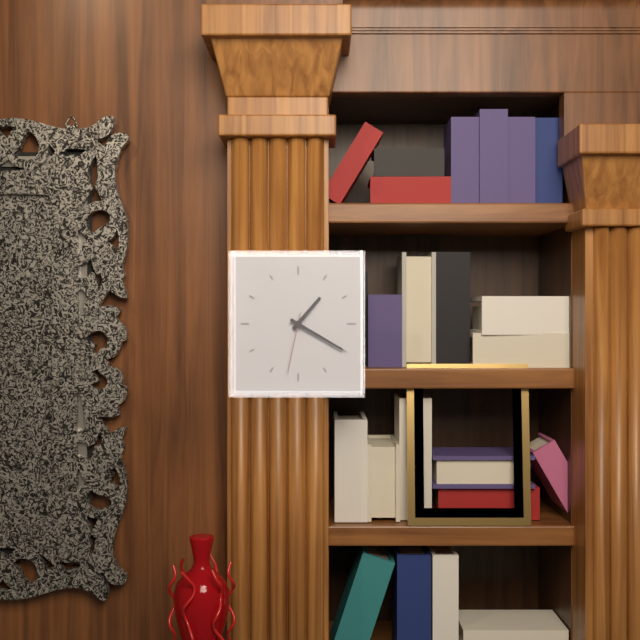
1:20:32
